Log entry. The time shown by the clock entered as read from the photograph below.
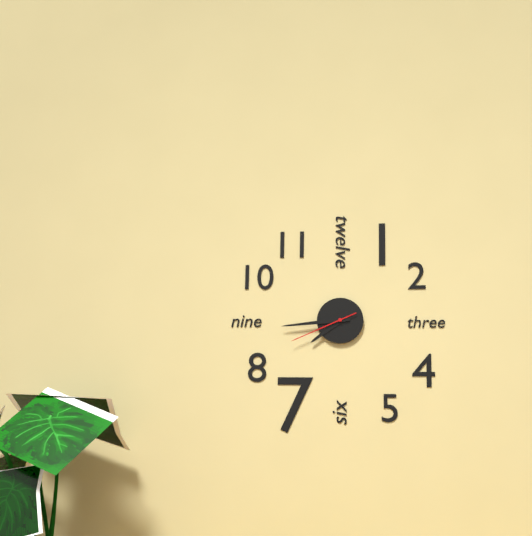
7:44:41
